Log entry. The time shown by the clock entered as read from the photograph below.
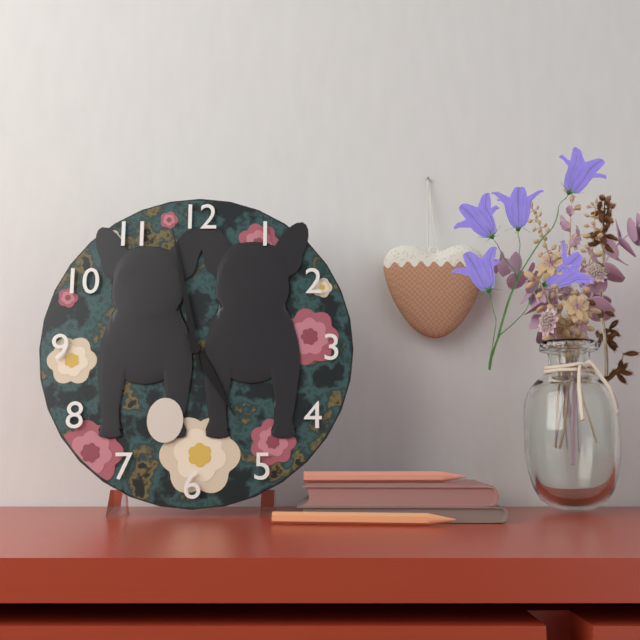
4:58
